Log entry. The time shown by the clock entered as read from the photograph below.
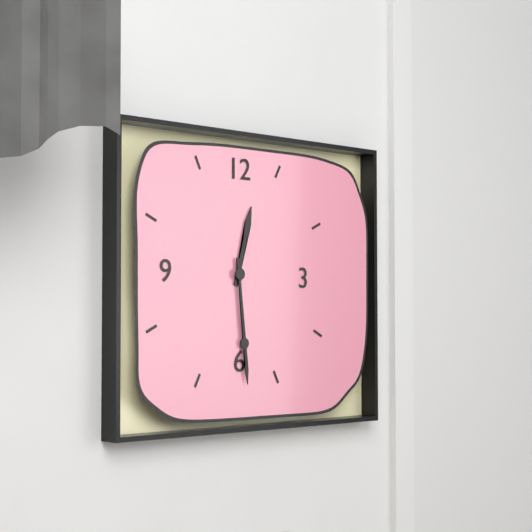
12:29
